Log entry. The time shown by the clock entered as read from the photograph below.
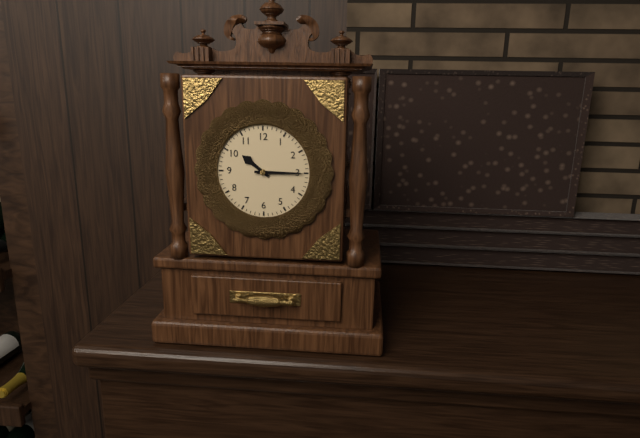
10:15
